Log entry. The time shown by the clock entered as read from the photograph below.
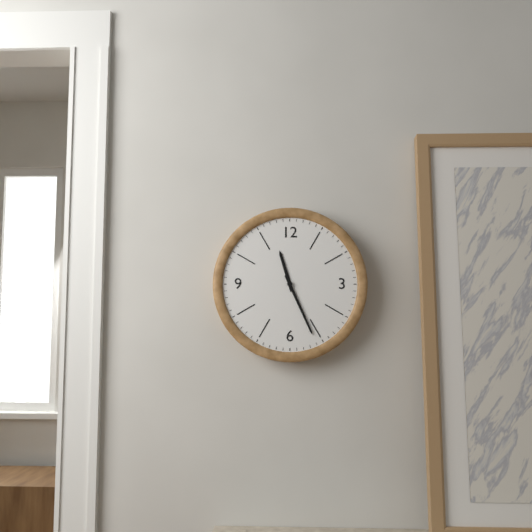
11:26
